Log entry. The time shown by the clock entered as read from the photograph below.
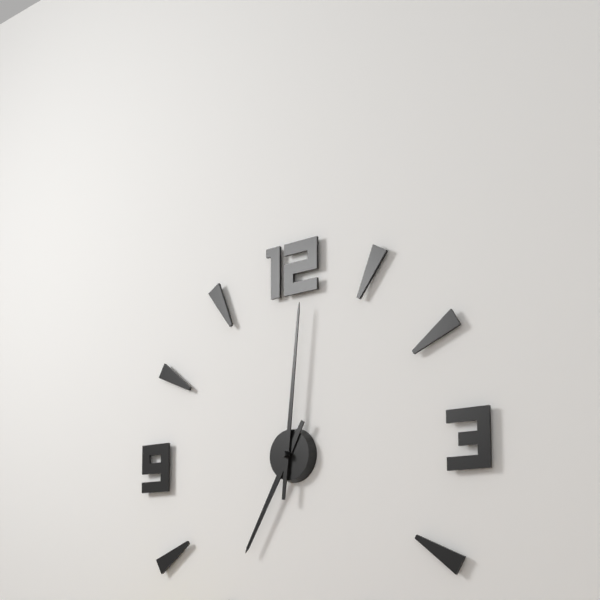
7:01
